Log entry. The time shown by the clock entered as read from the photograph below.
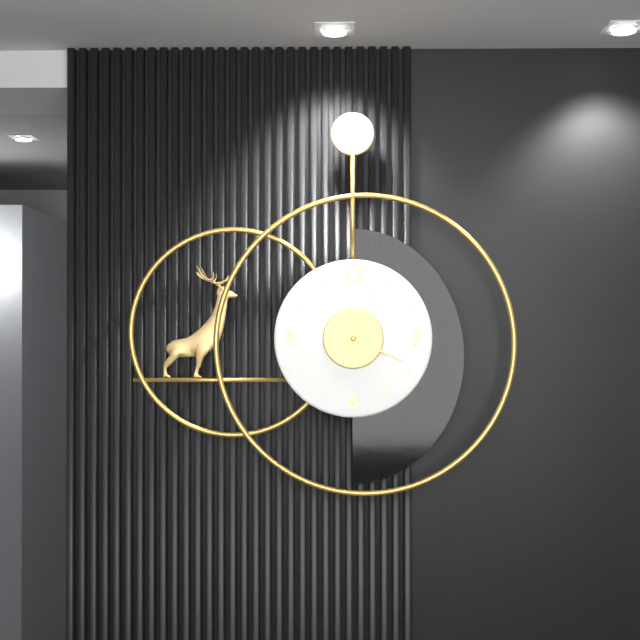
1:19:04
